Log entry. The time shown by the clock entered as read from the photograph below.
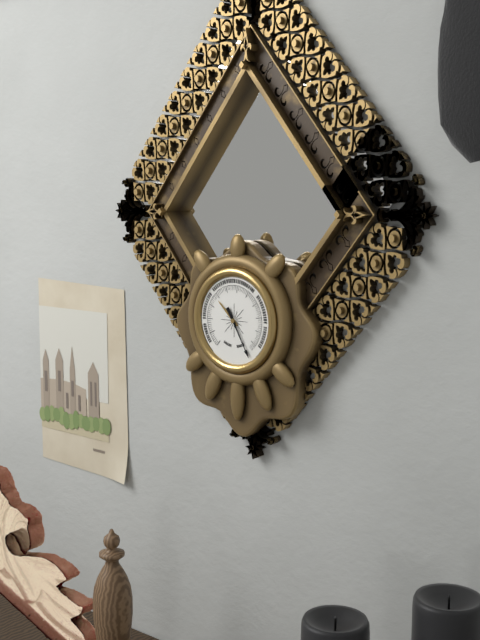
10:25
